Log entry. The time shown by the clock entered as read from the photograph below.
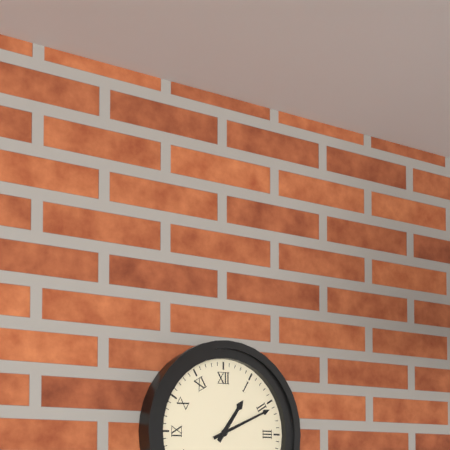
1:11
